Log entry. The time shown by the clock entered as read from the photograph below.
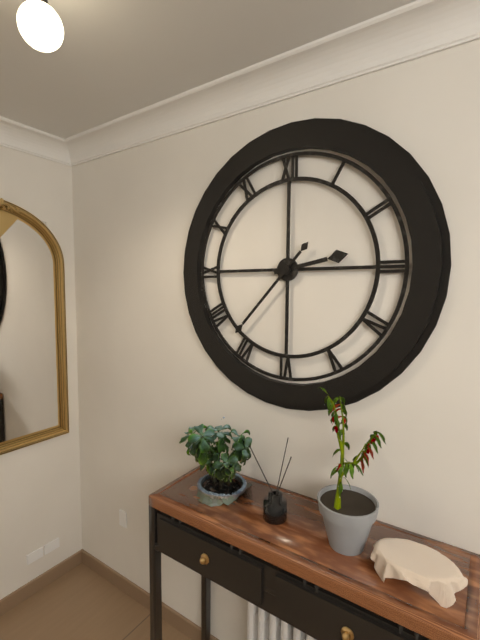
2:37
